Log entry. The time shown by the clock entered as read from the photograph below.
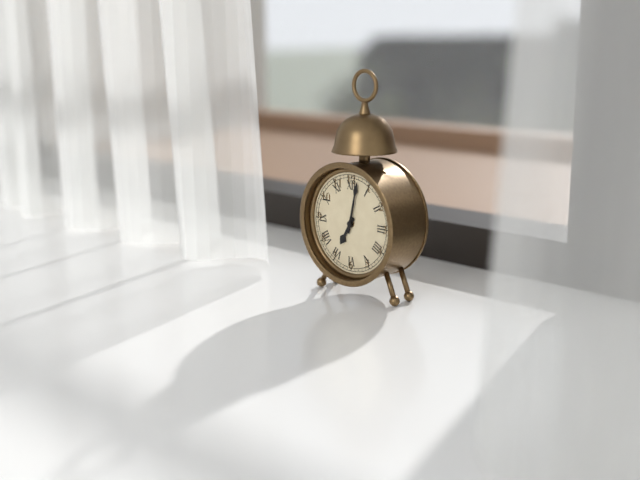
7:02
